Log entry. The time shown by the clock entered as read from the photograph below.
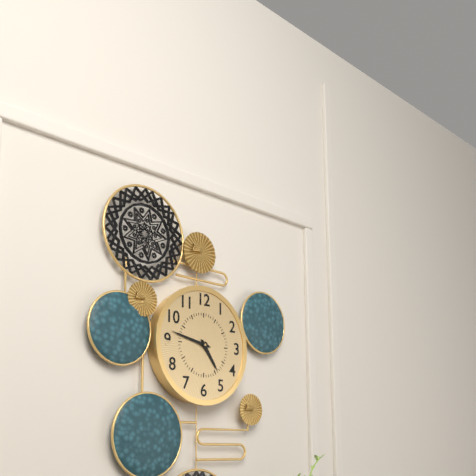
4:47
